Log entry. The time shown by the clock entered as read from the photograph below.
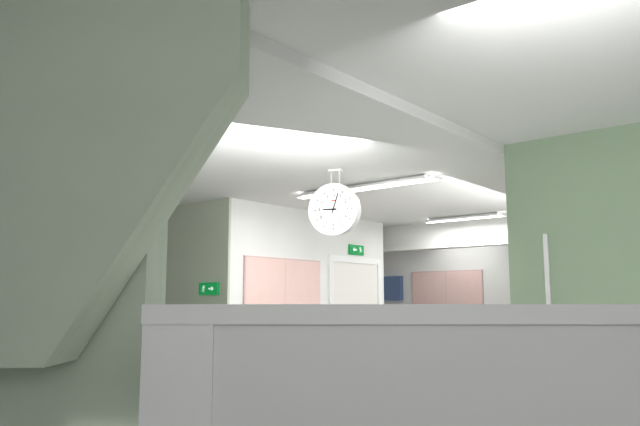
9:03
